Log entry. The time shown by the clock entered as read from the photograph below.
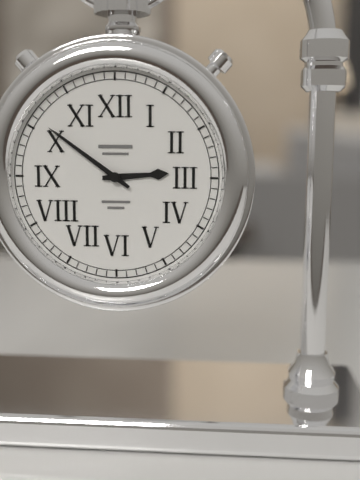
2:51
